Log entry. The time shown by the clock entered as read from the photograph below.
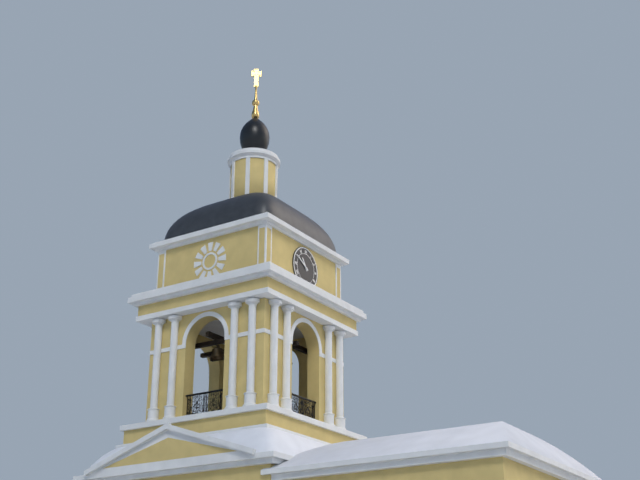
10:50
